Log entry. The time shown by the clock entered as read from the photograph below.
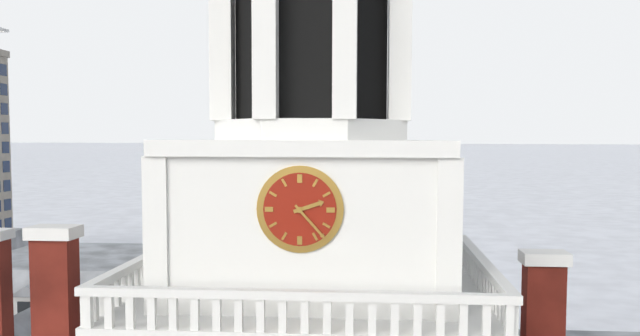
2:23
